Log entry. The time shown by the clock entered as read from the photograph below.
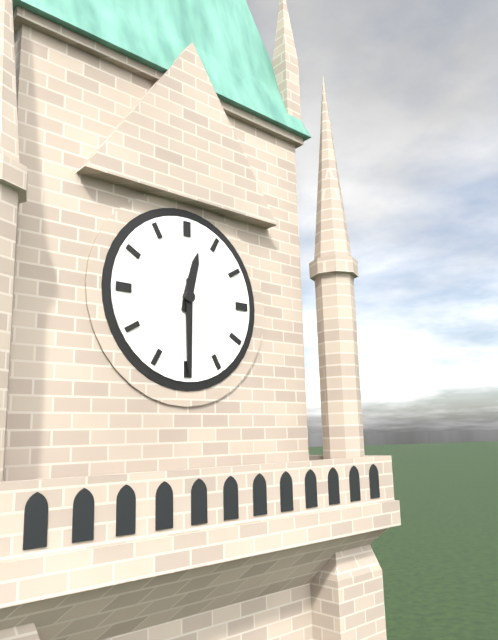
12:30
